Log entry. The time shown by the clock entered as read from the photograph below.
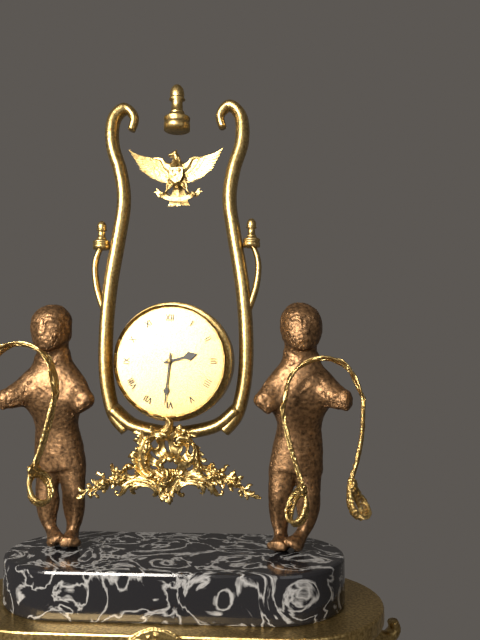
2:31
